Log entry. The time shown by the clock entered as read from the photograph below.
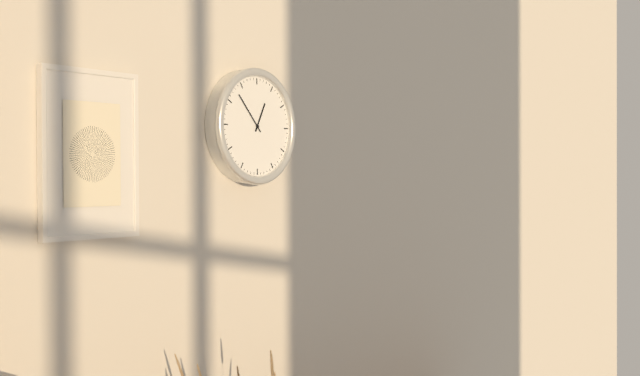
12:53
